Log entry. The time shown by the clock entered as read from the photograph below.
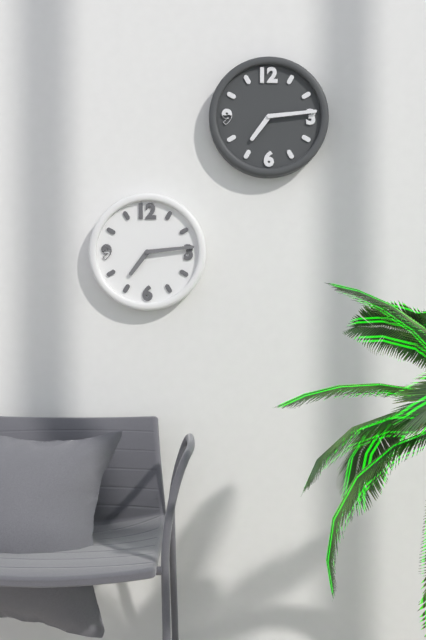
7:14
